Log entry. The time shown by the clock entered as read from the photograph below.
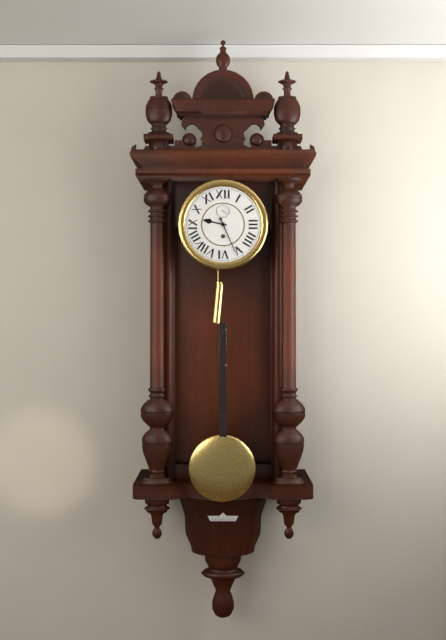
9:26
